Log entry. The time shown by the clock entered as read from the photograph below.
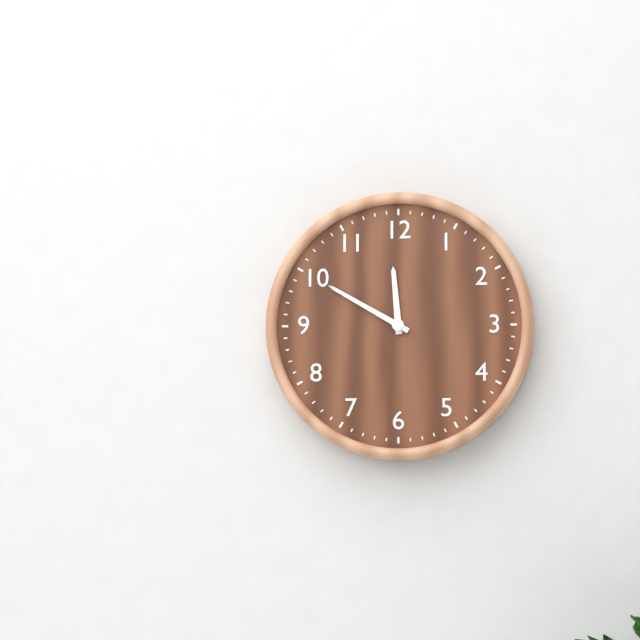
11:50
